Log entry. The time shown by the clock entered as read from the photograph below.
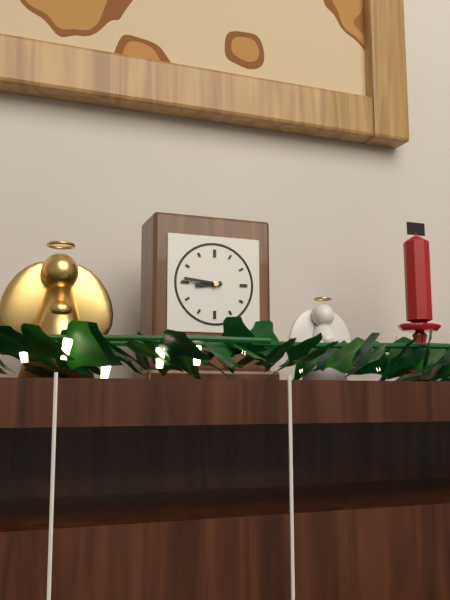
8:46
